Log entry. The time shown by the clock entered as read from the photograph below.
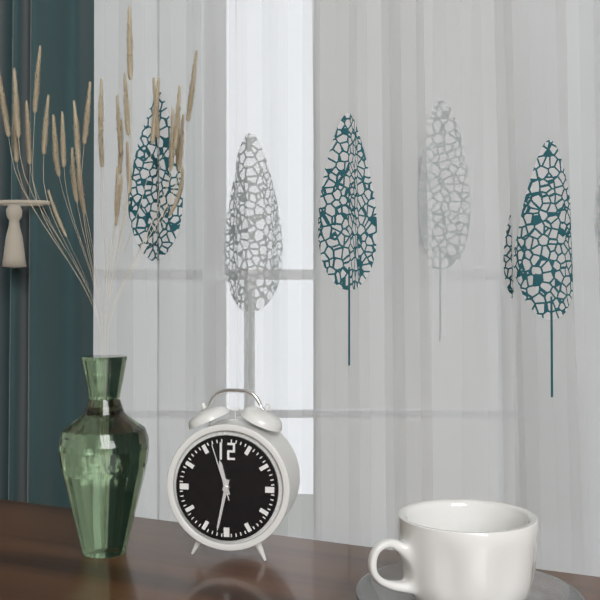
11:32:57
